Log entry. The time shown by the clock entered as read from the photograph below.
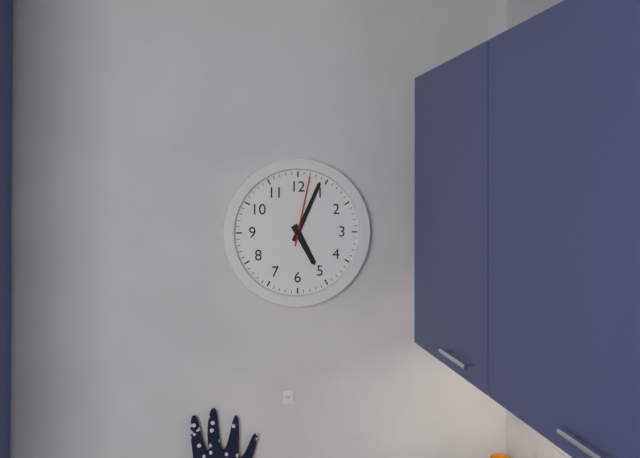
5:04:02
